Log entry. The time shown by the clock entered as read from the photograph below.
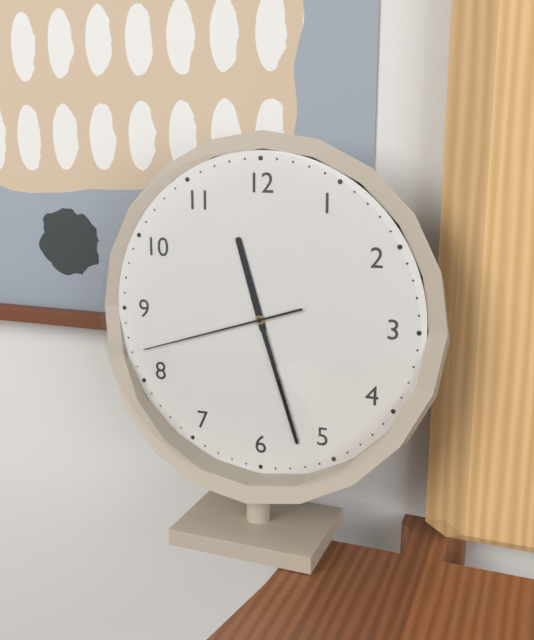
11:27:42
